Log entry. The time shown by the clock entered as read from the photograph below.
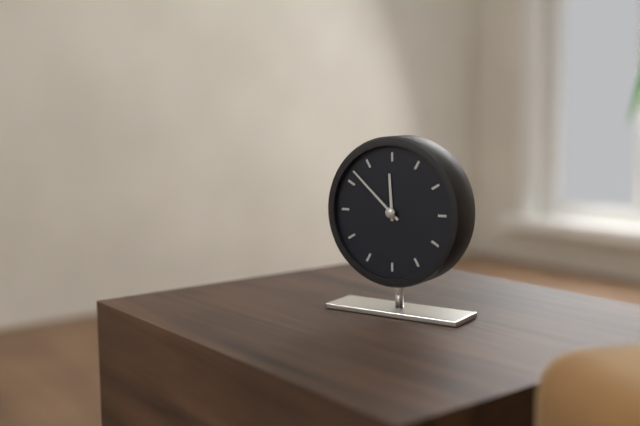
11:52
